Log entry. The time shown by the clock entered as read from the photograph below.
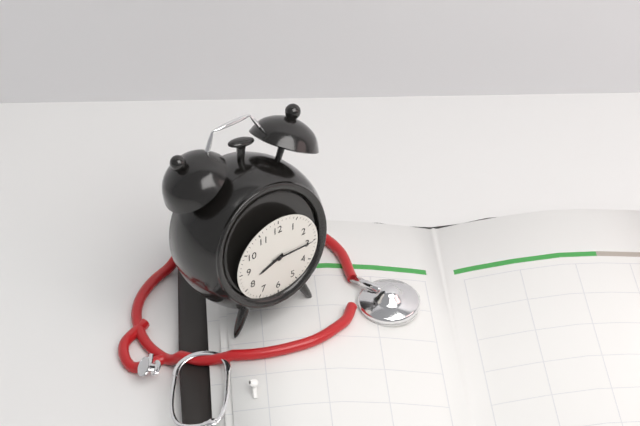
8:15
